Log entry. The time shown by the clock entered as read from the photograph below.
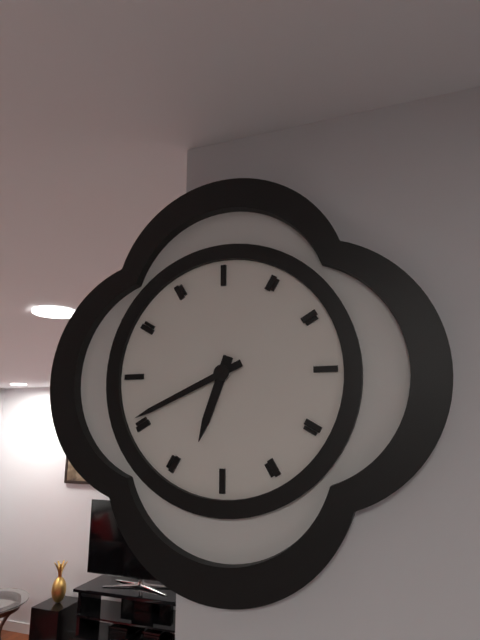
6:41
